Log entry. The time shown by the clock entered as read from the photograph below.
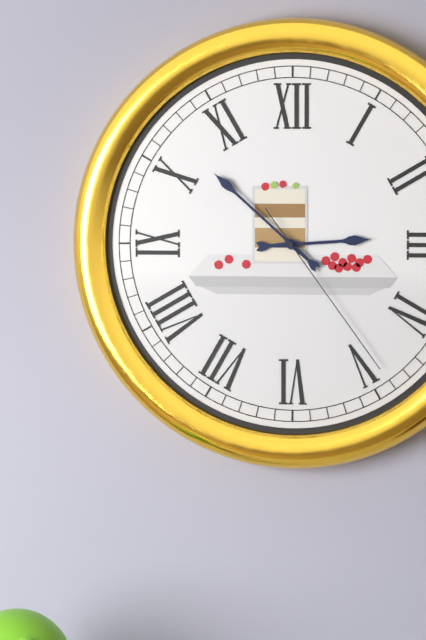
2:52:24
